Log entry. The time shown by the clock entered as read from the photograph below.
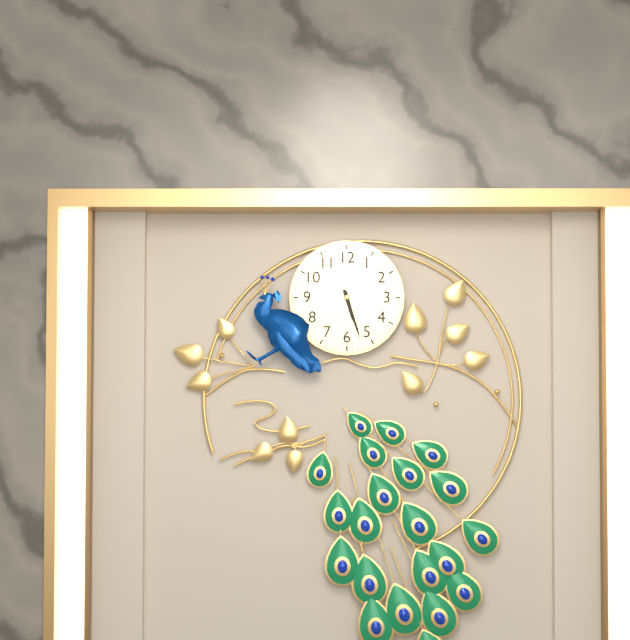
5:27
